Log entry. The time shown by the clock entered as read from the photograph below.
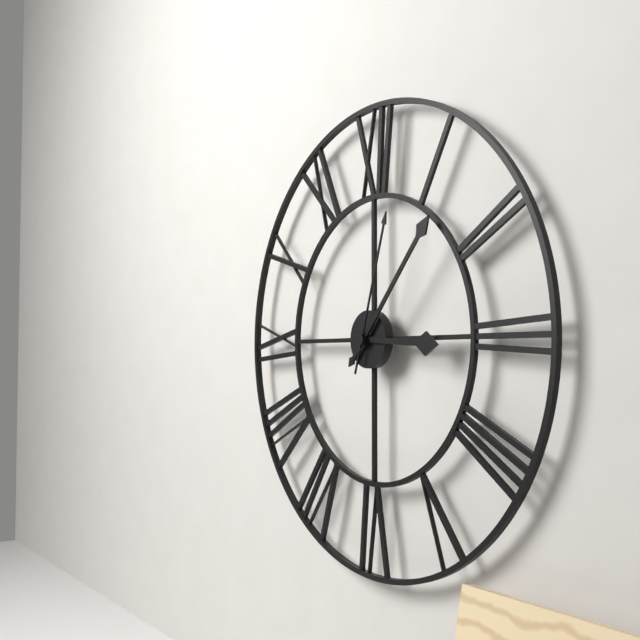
3:07:03
